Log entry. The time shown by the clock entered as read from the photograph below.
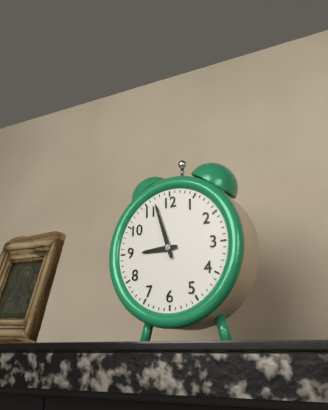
8:57
